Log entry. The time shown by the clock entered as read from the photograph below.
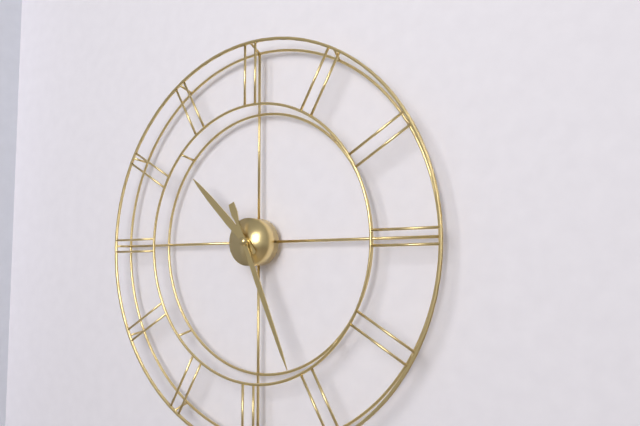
10:26
